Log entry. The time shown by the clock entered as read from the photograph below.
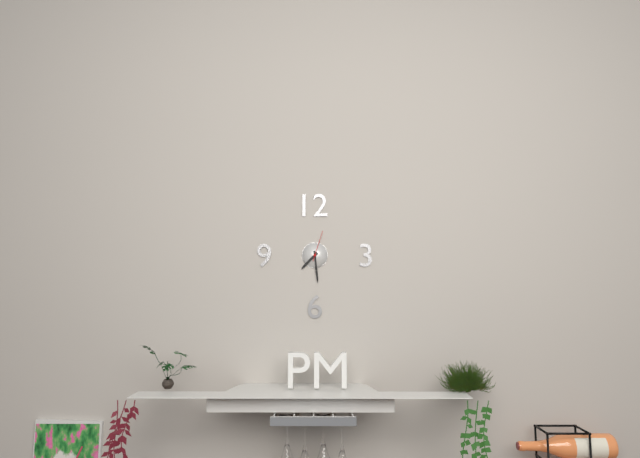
7:29
